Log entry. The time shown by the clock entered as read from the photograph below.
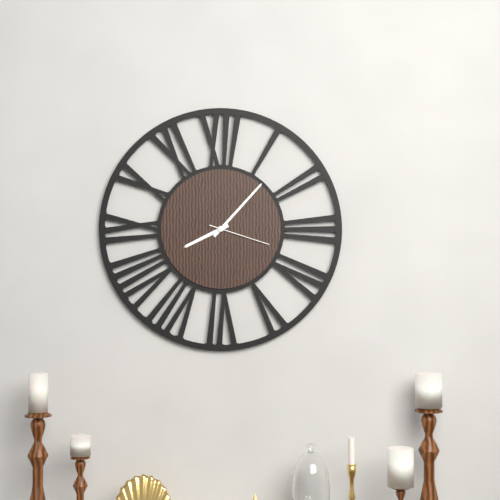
8:07:18
